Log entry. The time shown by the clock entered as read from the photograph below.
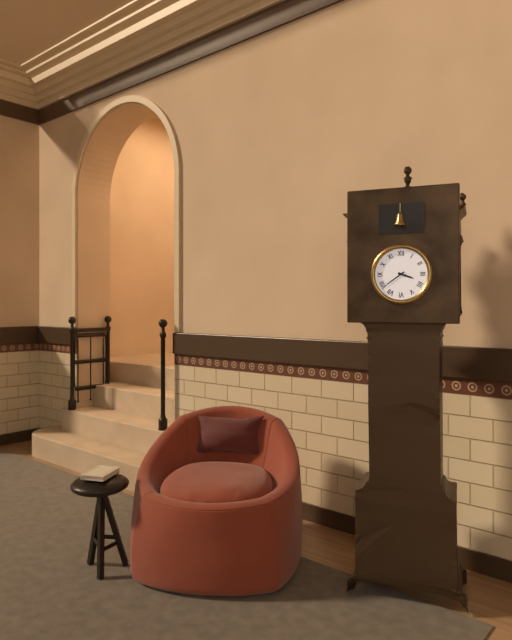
3:39
